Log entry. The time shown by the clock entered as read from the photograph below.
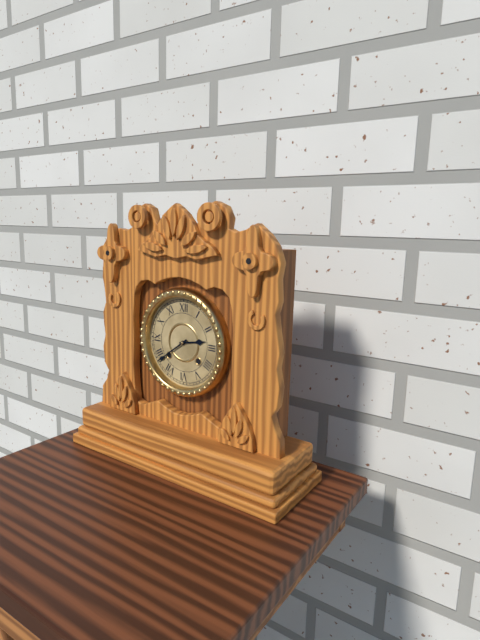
2:39
